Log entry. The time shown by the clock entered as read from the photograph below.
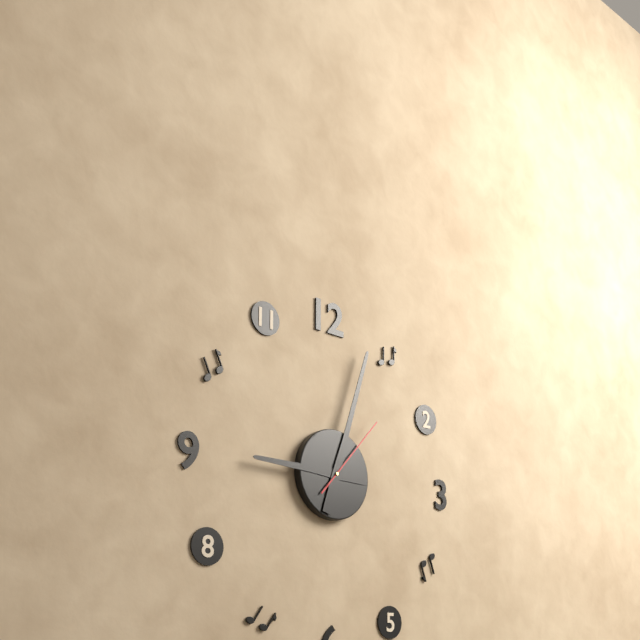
9:03:07
